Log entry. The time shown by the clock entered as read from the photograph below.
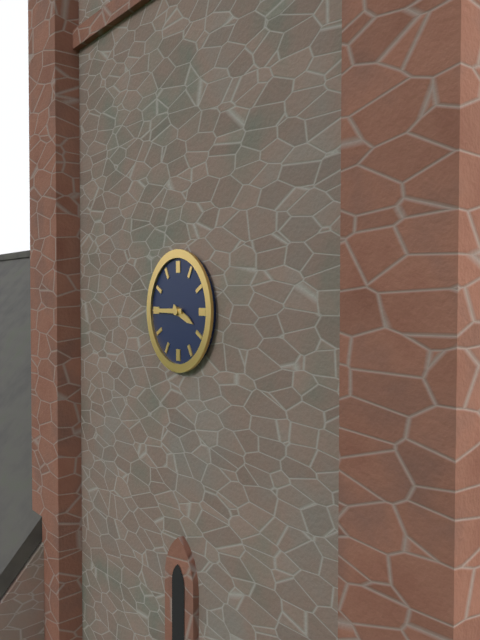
3:45
